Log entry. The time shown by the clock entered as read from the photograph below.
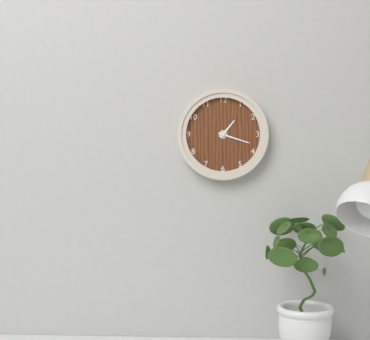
1:18
